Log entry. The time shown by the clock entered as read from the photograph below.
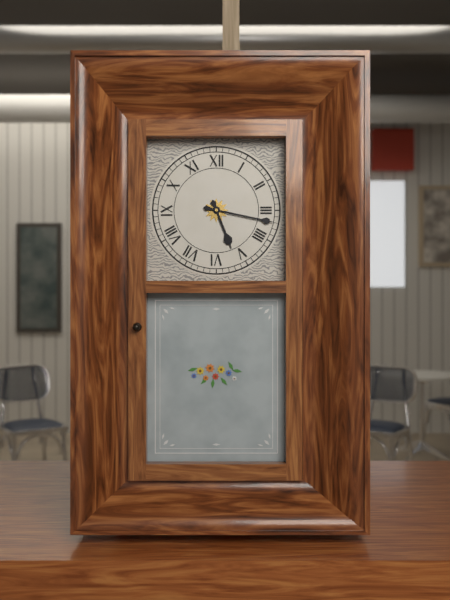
5:17
